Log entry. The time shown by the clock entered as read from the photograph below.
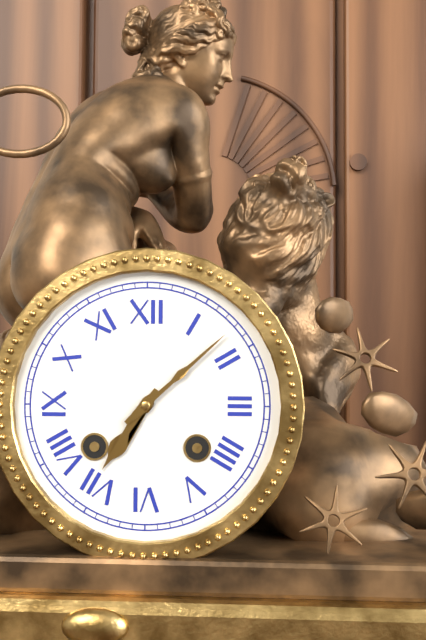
7:08
